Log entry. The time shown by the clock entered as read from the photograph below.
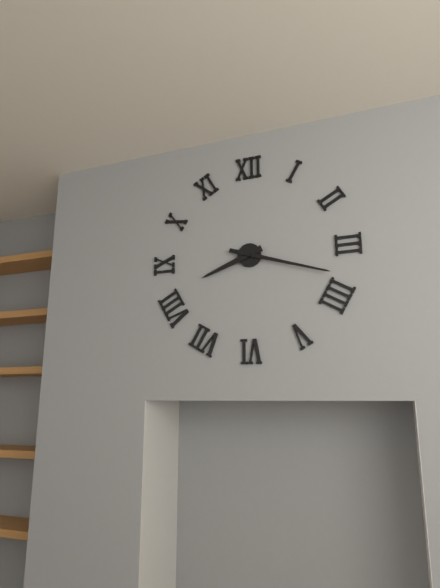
8:18
